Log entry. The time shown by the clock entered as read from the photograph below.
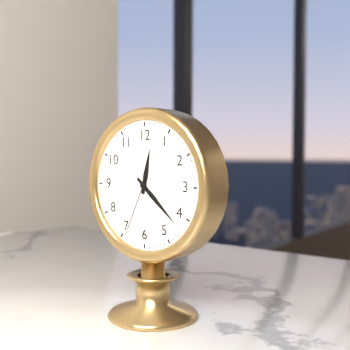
12:22:34
